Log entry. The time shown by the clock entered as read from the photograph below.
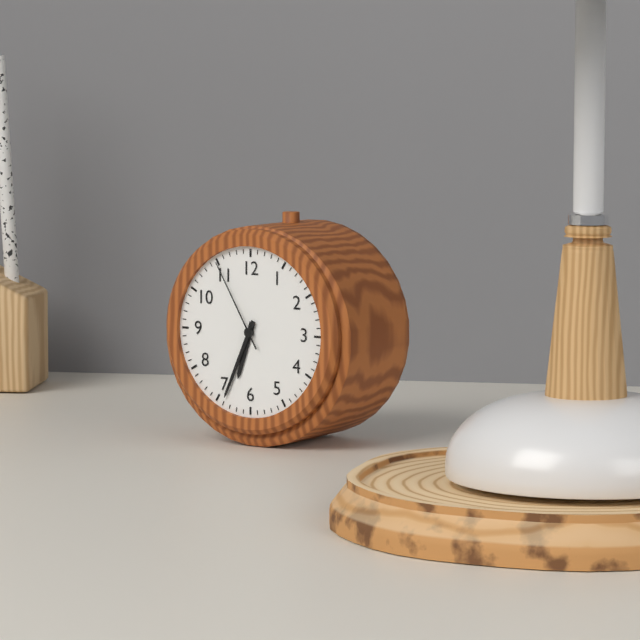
6:34:55
